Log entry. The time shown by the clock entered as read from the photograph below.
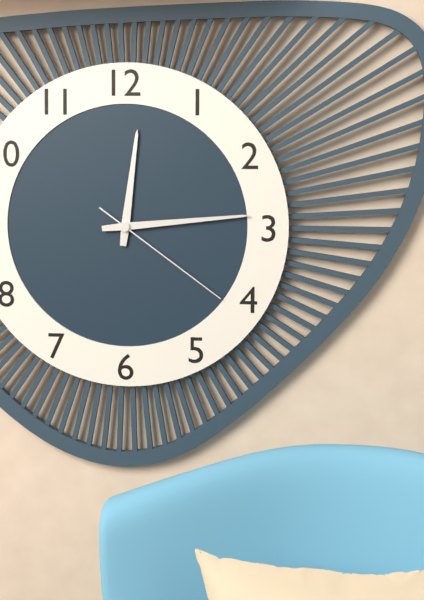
12:14:21
